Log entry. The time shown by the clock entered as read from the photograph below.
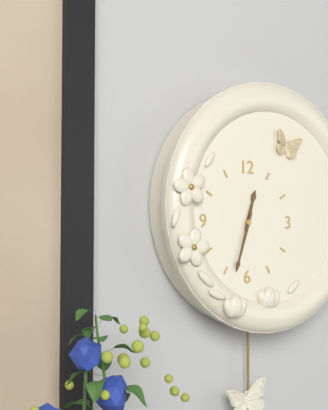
12:33
